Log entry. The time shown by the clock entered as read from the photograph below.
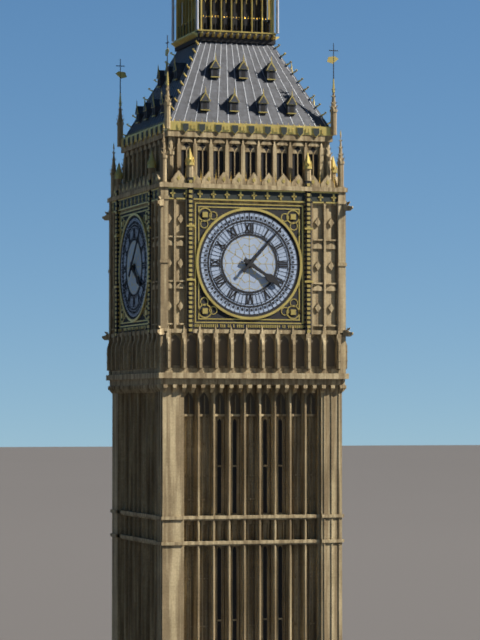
4:07
